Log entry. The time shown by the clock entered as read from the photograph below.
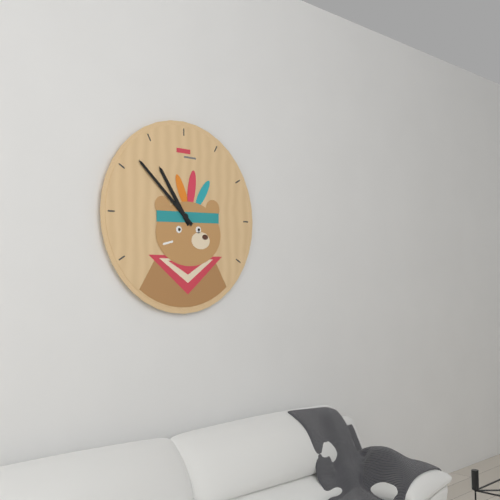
10:52
